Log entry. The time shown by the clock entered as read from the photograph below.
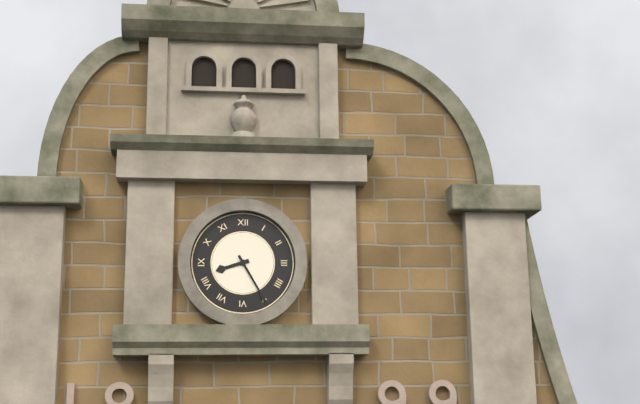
8:25
